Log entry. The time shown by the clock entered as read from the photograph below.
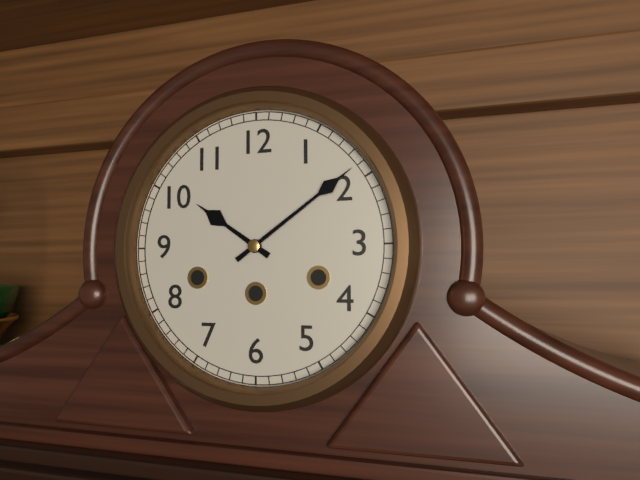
10:09
